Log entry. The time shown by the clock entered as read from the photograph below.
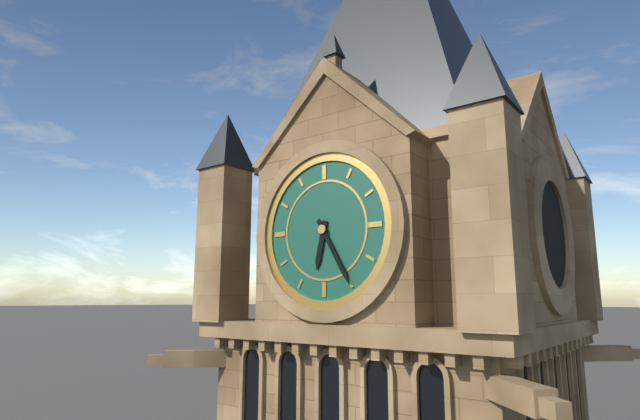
6:25
